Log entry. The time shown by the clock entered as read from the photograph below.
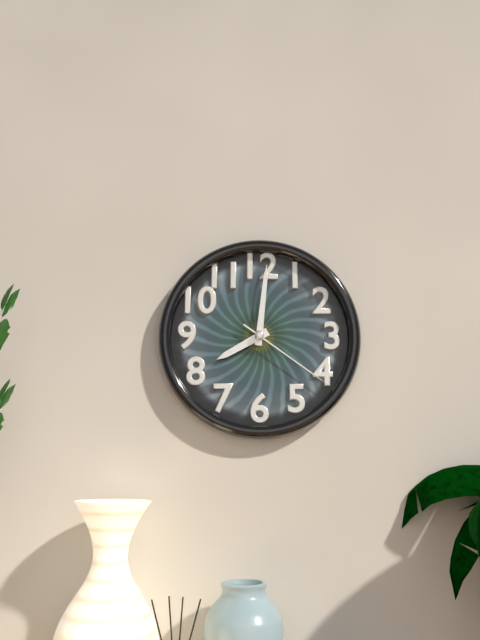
8:01:21
